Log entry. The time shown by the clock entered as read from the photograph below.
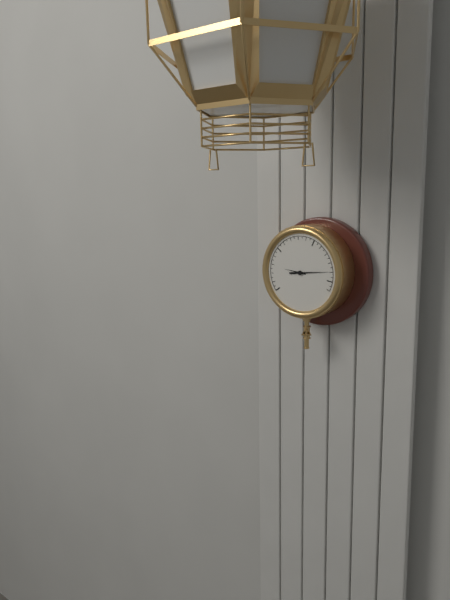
9:14
